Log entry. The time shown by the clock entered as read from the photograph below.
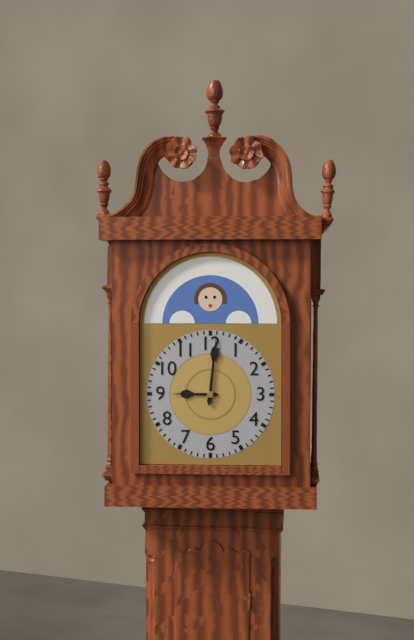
9:01
